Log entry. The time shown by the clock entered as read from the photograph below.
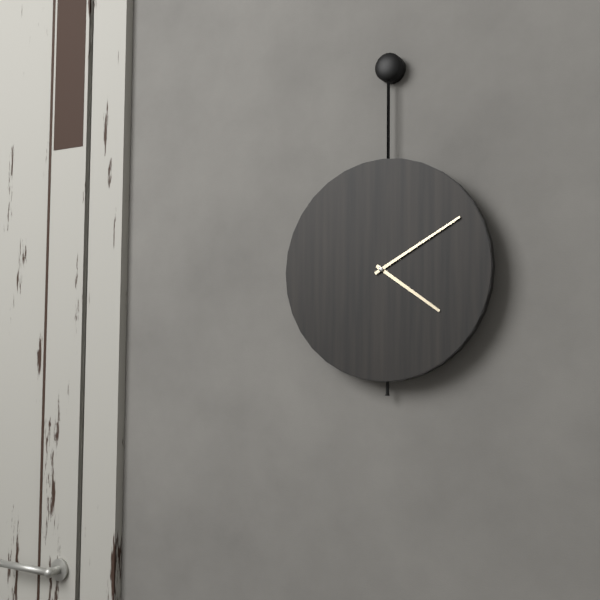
4:10
